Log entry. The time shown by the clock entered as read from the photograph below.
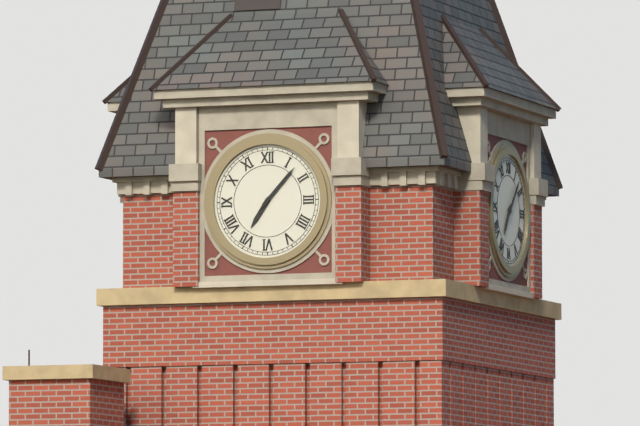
7:07
